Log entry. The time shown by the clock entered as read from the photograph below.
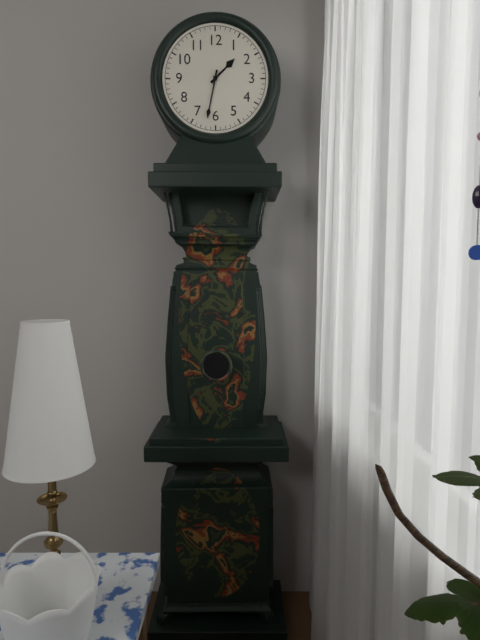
1:32
